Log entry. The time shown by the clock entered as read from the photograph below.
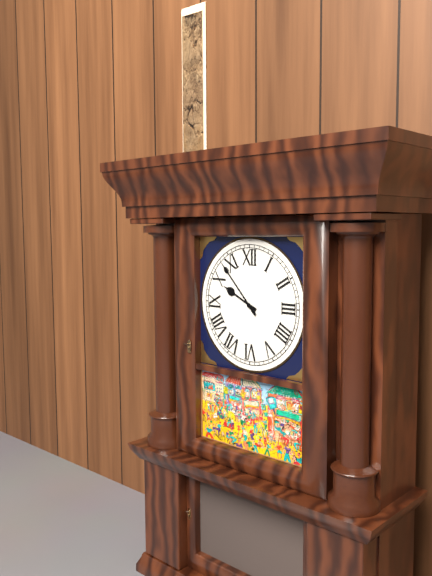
9:53
